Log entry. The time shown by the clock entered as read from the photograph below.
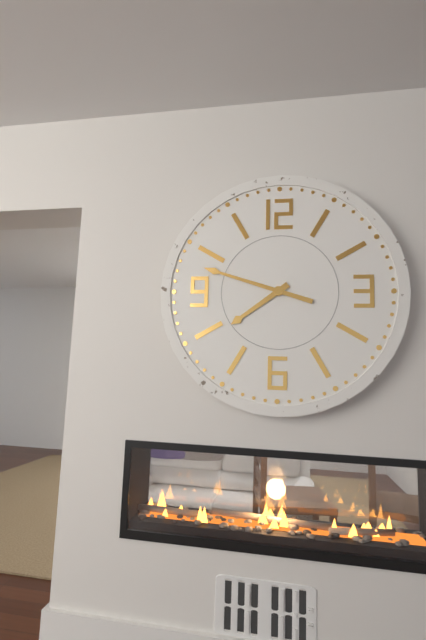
7:48
